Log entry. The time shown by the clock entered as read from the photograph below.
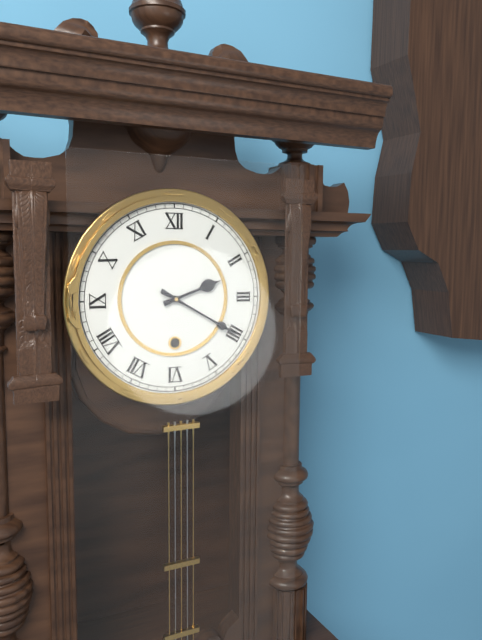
2:20
